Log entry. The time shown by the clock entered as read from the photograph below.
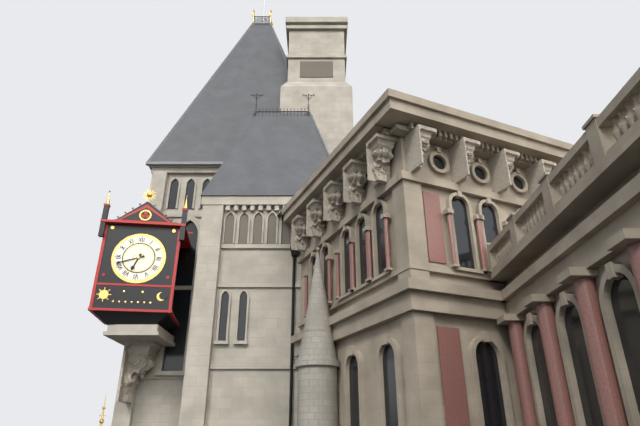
6:42
